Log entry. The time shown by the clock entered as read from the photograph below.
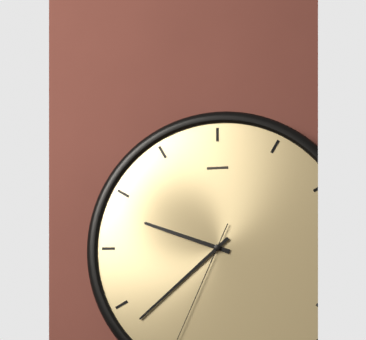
9:38
